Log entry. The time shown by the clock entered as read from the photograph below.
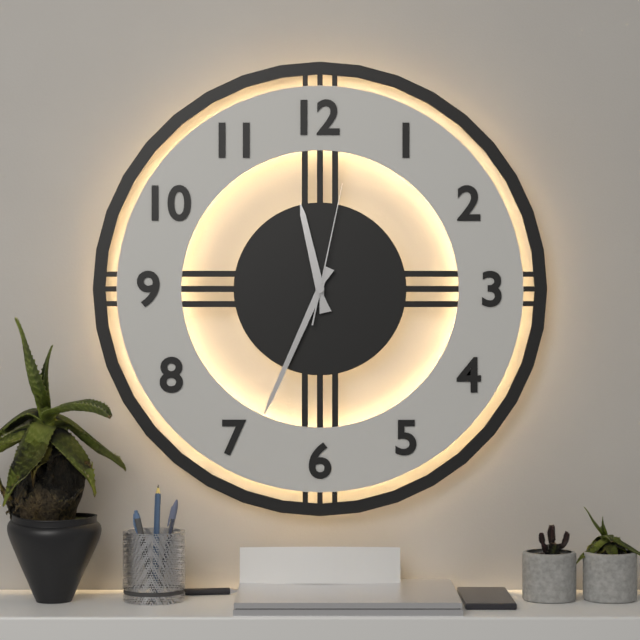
11:34:02
